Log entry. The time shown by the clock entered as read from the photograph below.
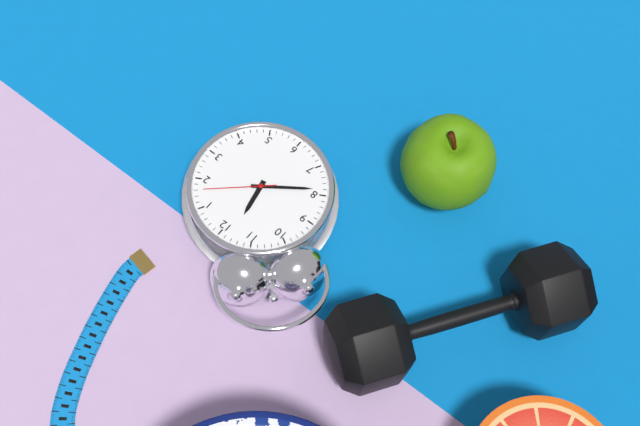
11:39:08
